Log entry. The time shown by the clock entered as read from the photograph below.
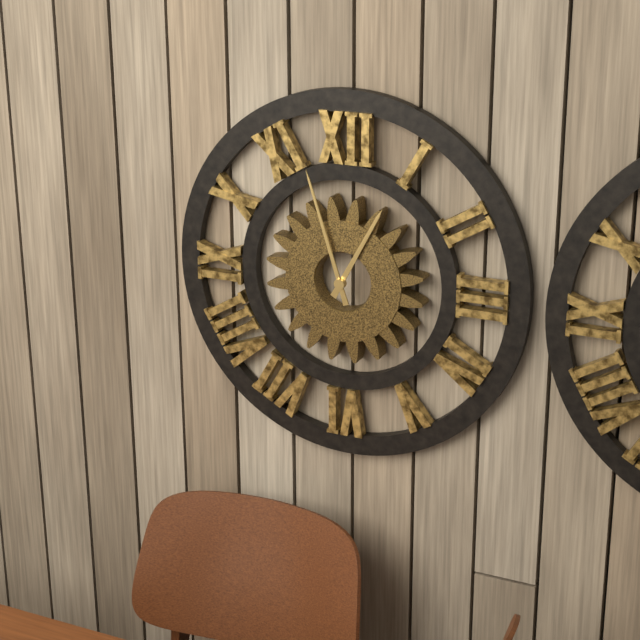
12:57
